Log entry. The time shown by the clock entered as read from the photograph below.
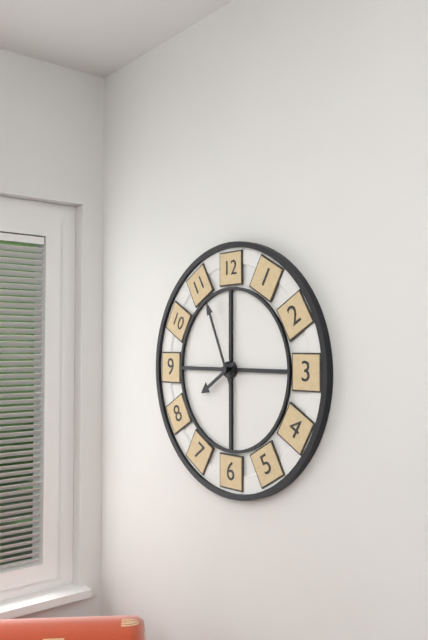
7:56
